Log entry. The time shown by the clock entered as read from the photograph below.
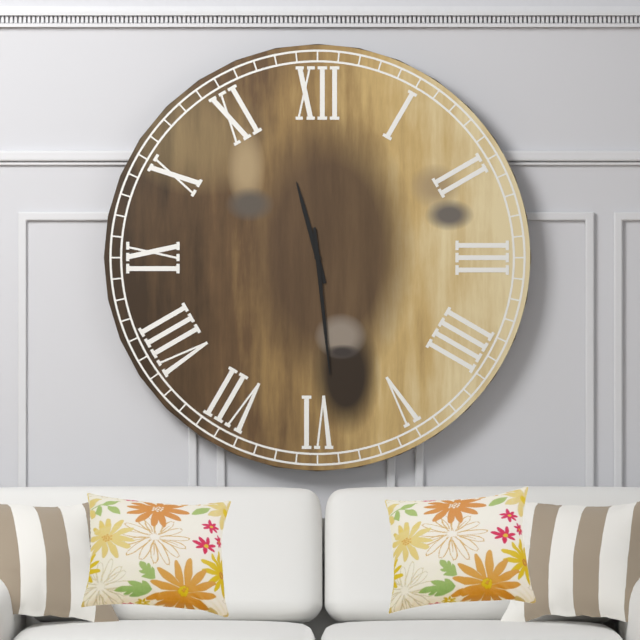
11:29
